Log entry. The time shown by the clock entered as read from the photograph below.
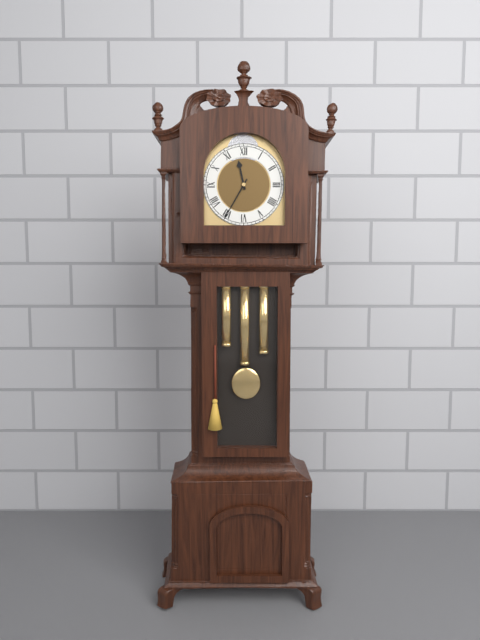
11:35
